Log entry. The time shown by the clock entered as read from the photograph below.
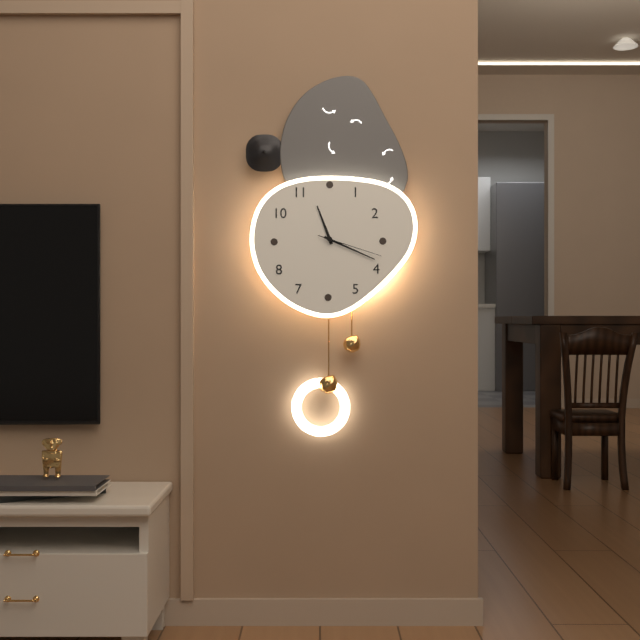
11:19:18
